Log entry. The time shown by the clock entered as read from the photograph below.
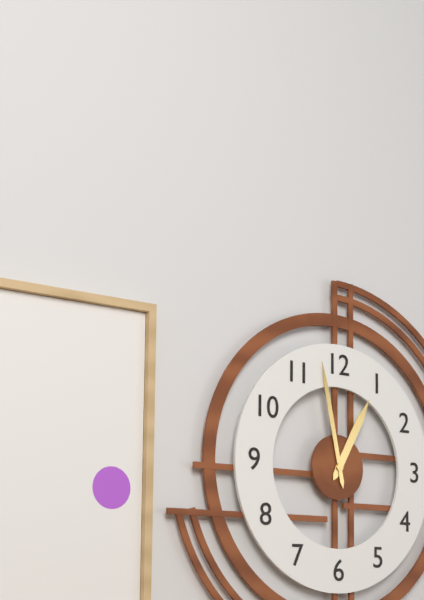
12:58
